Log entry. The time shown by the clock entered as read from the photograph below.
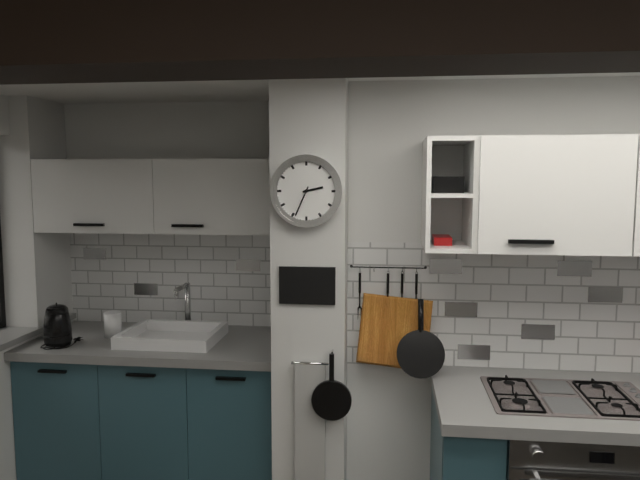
2:34
